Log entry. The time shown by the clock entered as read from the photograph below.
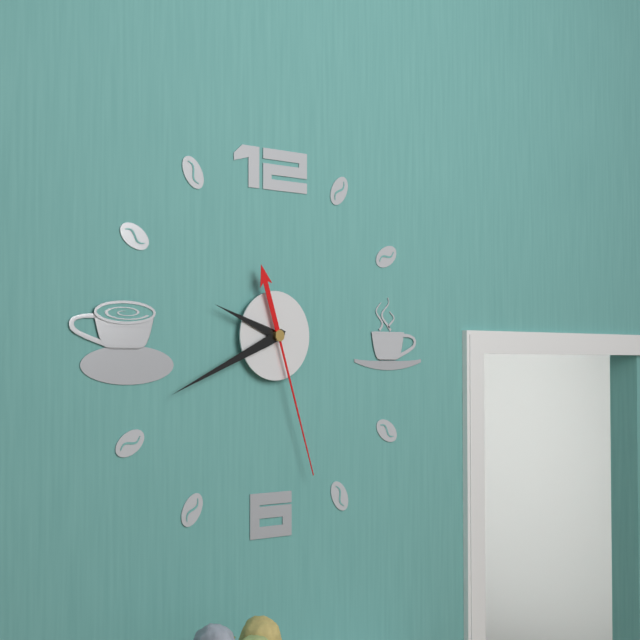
9:41:27
